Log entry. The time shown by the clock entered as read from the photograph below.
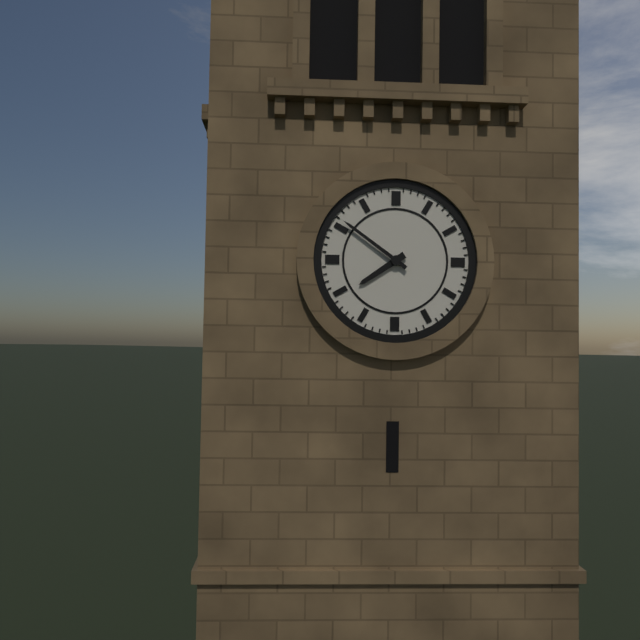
7:51
